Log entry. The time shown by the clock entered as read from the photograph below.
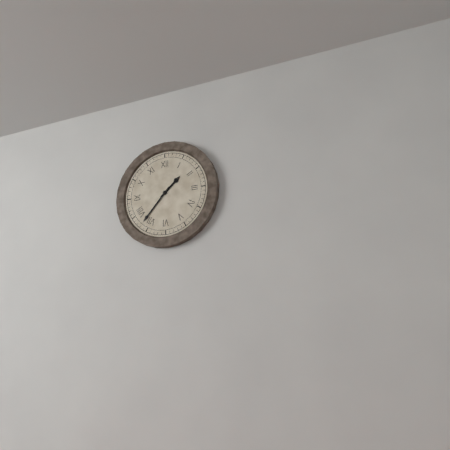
1:37
